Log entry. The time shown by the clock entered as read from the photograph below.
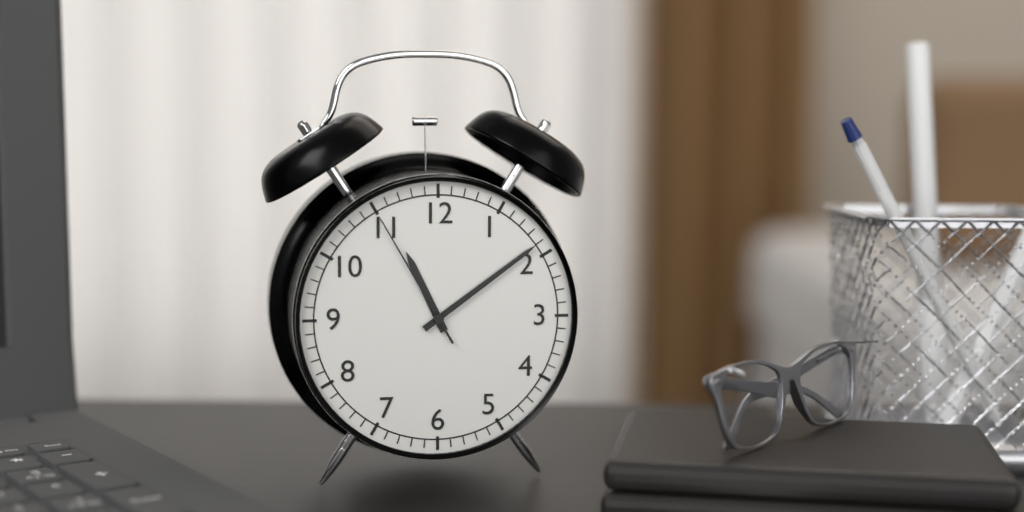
11:09:55
